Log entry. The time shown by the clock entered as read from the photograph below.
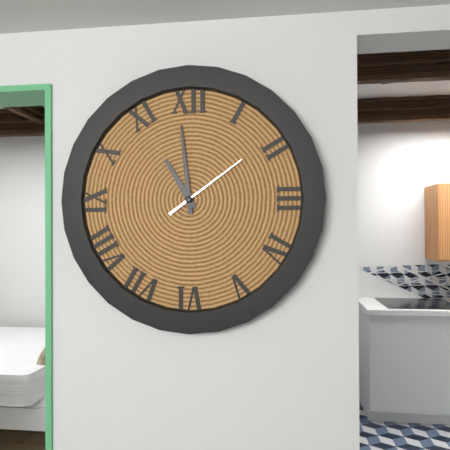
10:59:09
